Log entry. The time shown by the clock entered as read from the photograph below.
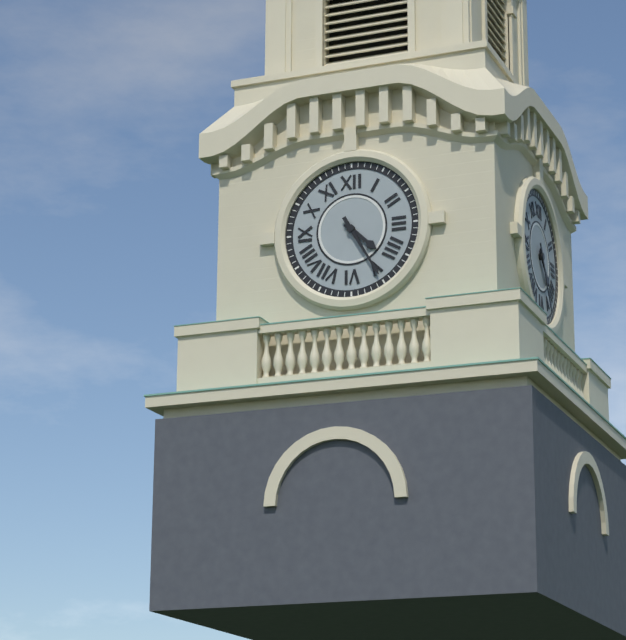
4:25
